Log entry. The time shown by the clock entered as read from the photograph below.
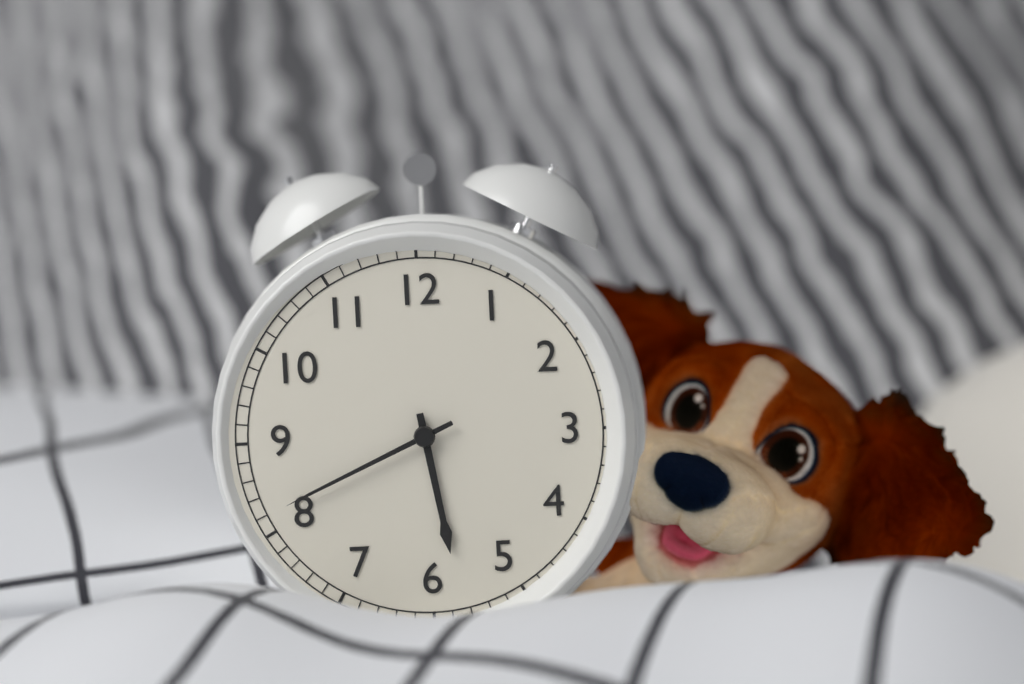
5:41
